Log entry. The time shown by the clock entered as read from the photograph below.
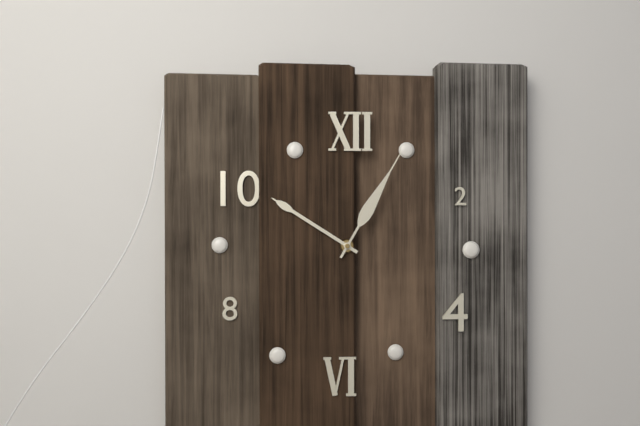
10:05
